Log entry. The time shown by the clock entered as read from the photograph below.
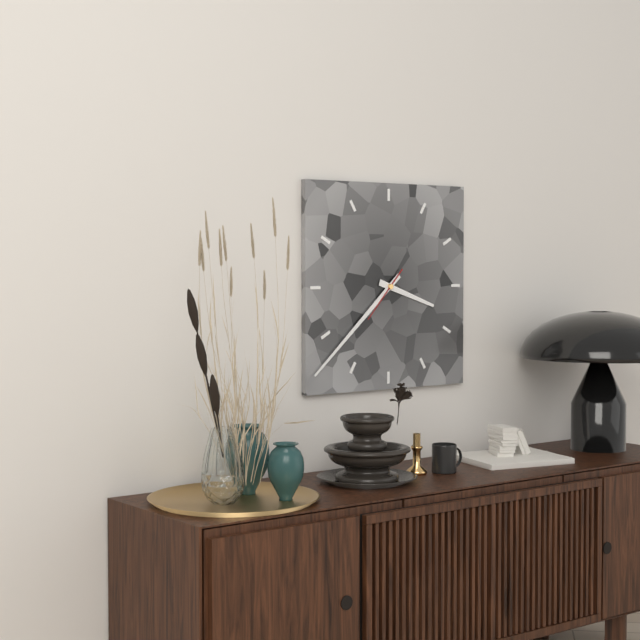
3:38
